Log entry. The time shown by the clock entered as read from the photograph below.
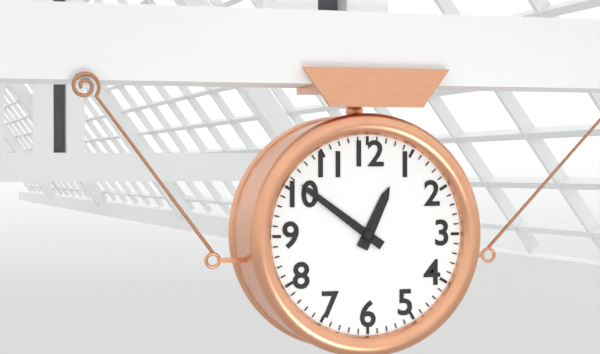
12:51
